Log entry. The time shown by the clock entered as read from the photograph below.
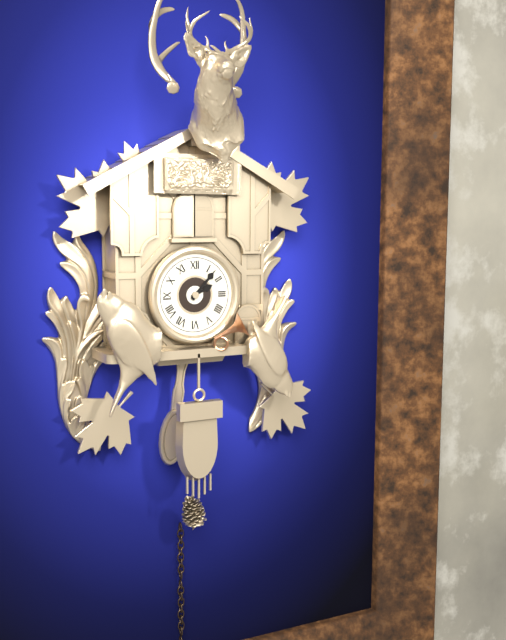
2:07
